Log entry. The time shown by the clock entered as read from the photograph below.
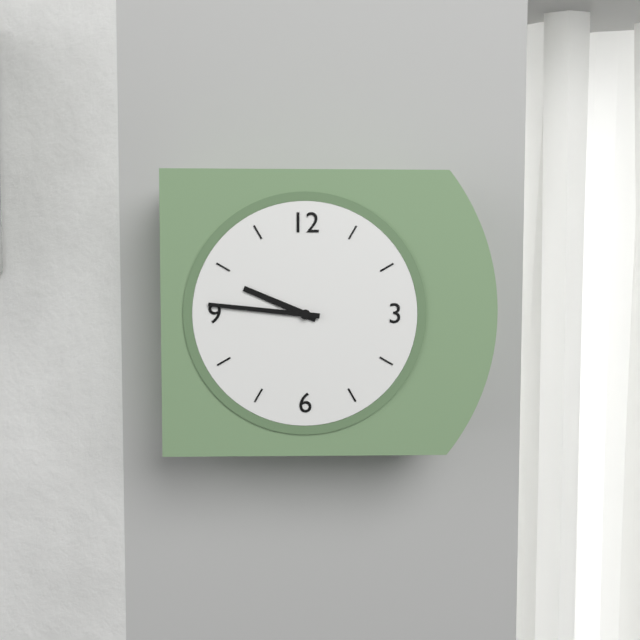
9:46
